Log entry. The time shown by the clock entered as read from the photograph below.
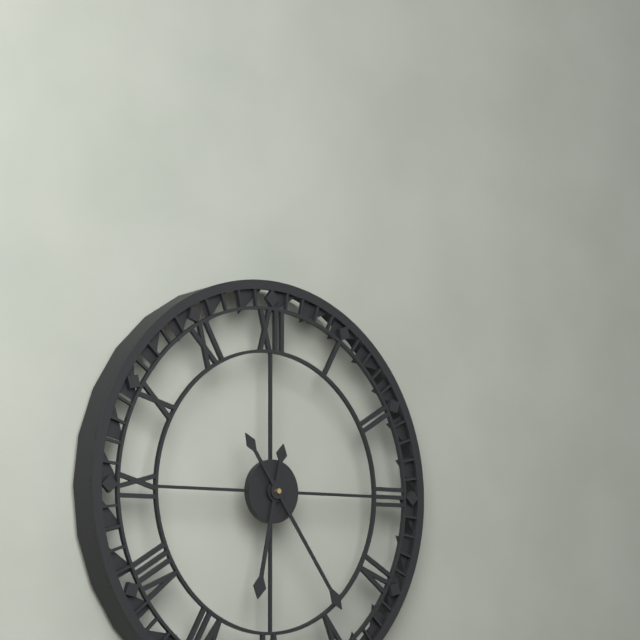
6:24
